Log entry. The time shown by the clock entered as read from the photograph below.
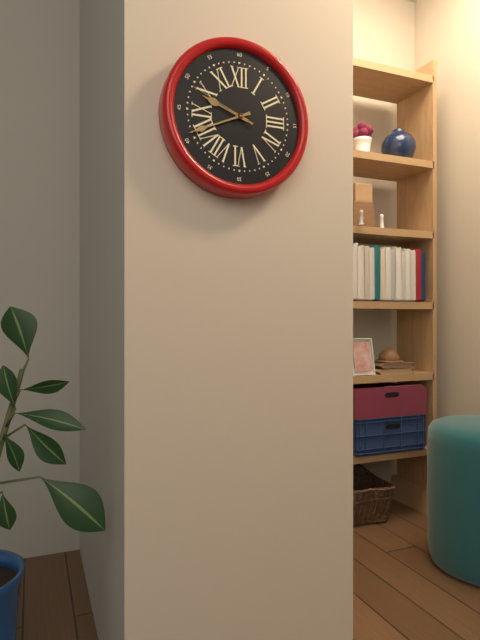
9:41:49
